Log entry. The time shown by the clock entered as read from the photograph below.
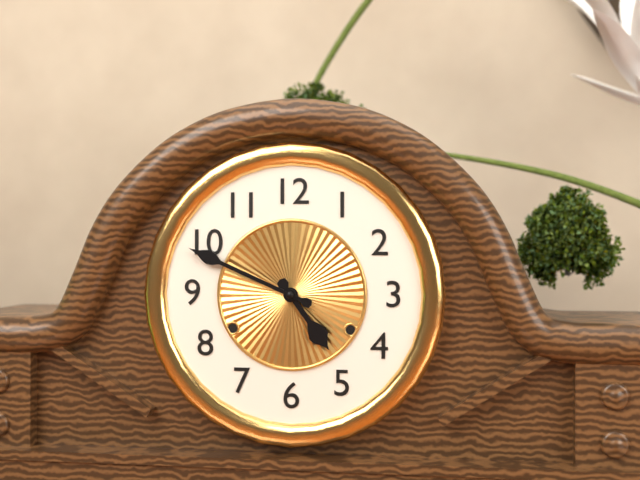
4:49
